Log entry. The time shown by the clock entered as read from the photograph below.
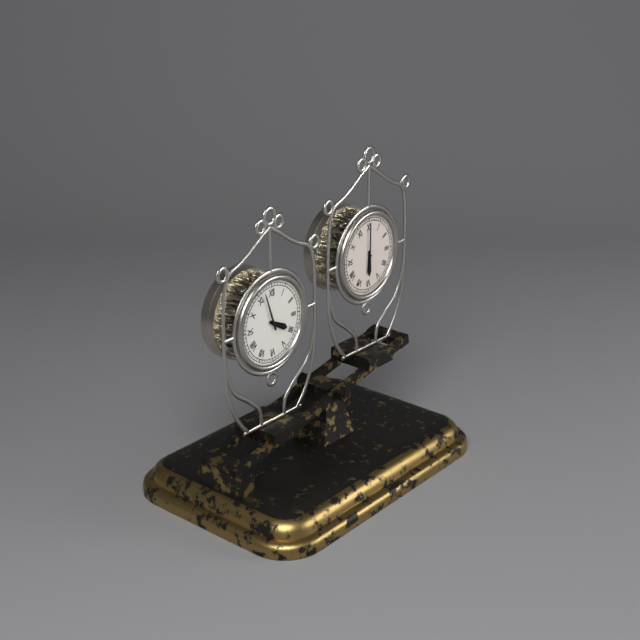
3:57
